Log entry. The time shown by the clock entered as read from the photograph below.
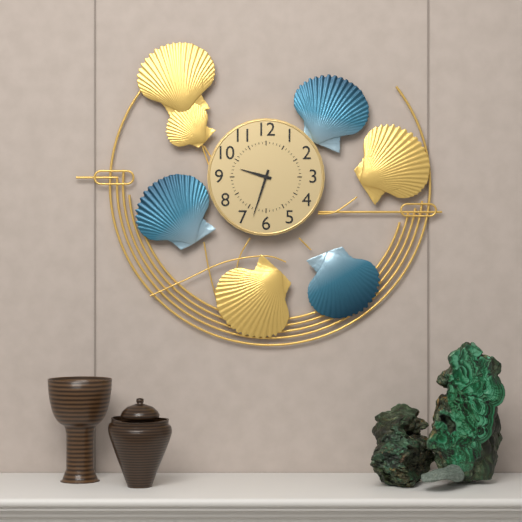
9:33
